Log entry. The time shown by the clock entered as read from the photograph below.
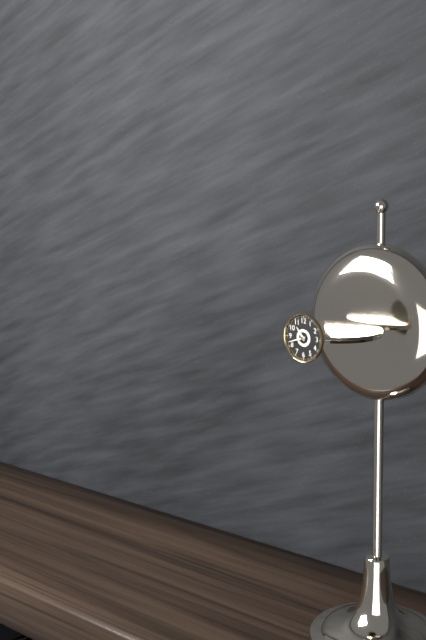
10:42
